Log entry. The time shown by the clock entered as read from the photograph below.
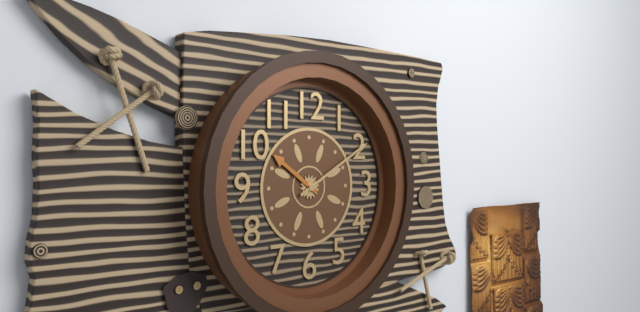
10:10
